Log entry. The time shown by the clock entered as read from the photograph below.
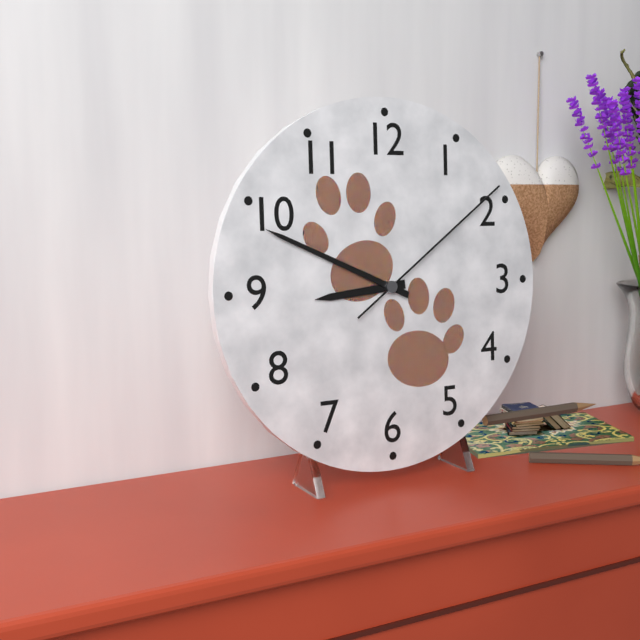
8:49:09
